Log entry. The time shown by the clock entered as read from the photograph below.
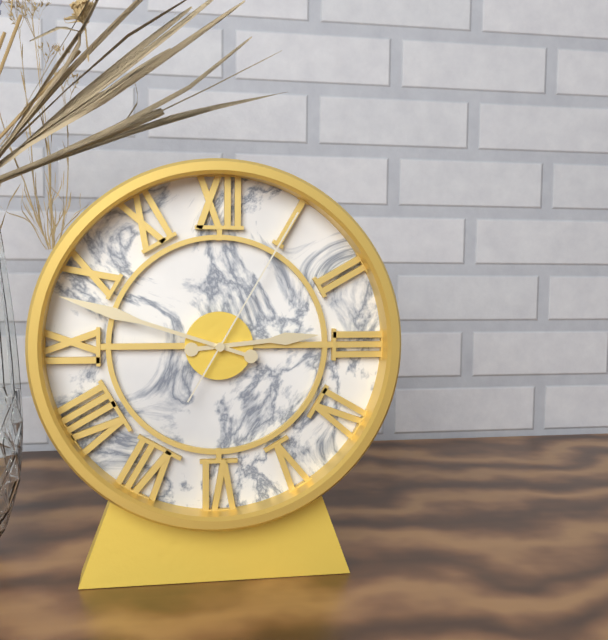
2:48:05
